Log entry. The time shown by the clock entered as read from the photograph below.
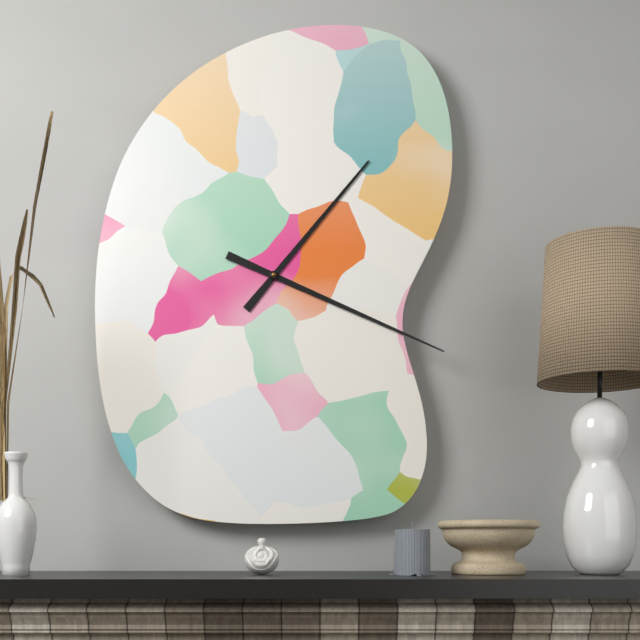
1:19
